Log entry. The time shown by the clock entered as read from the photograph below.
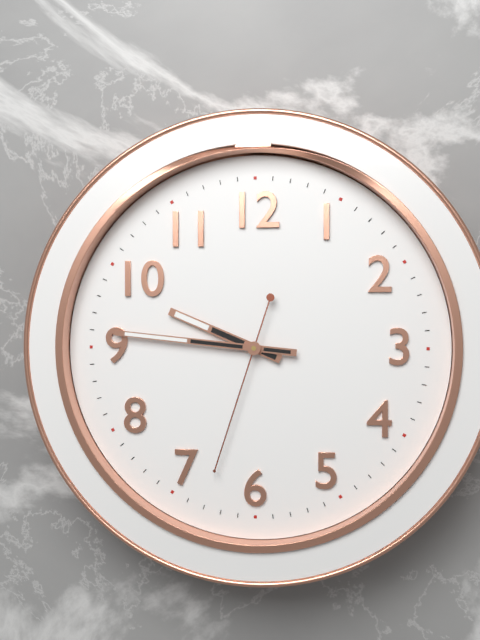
9:46:33
